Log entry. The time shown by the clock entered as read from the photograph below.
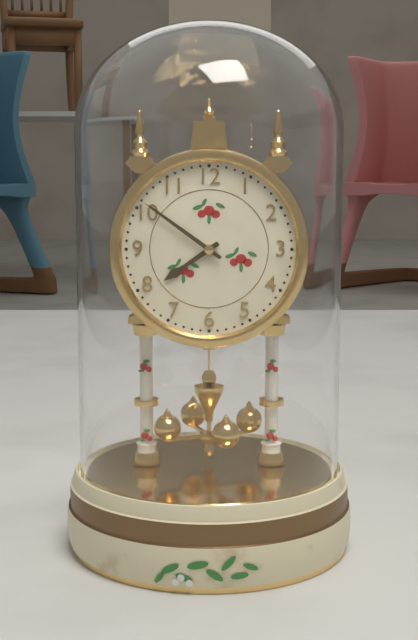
7:51
